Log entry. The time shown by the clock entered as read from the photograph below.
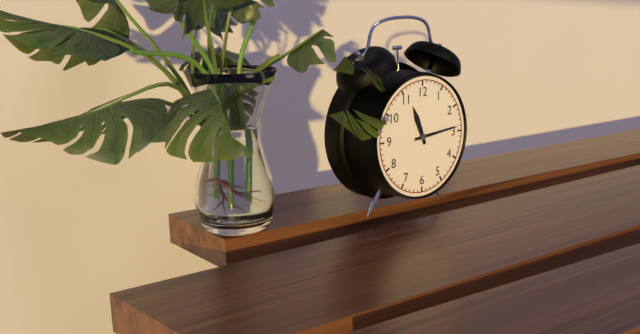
11:14
